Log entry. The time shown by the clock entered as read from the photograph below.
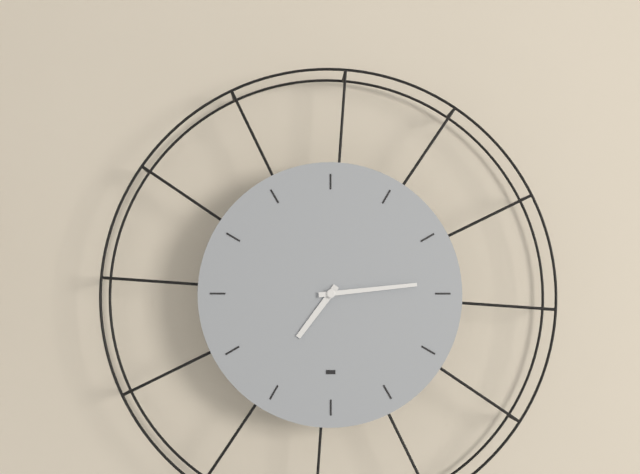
7:14
